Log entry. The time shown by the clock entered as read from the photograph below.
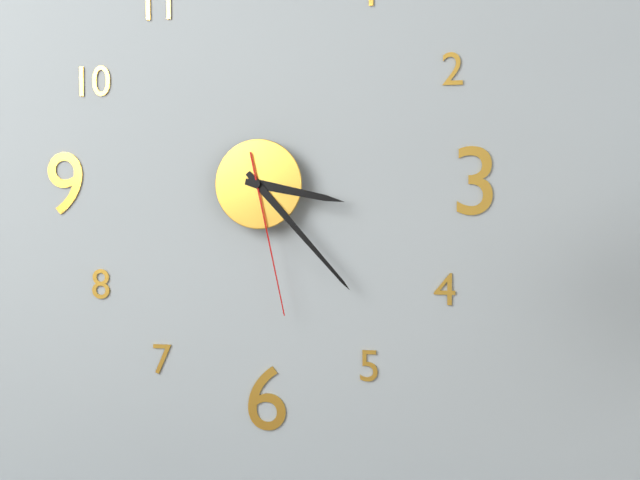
3:23:28
